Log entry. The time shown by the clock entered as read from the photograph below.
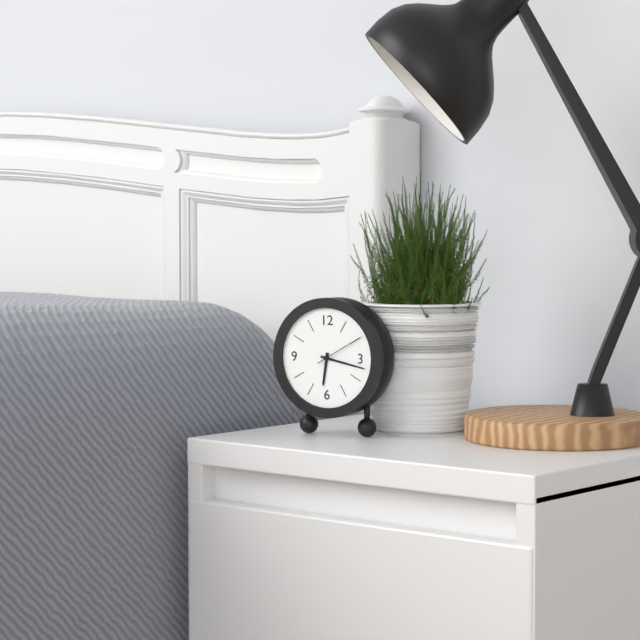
6:17:10
